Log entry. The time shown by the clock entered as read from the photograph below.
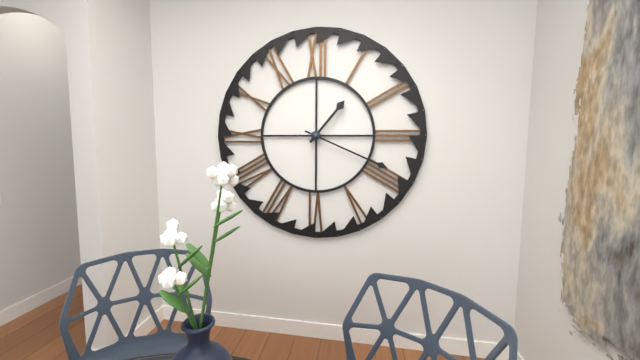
1:19
